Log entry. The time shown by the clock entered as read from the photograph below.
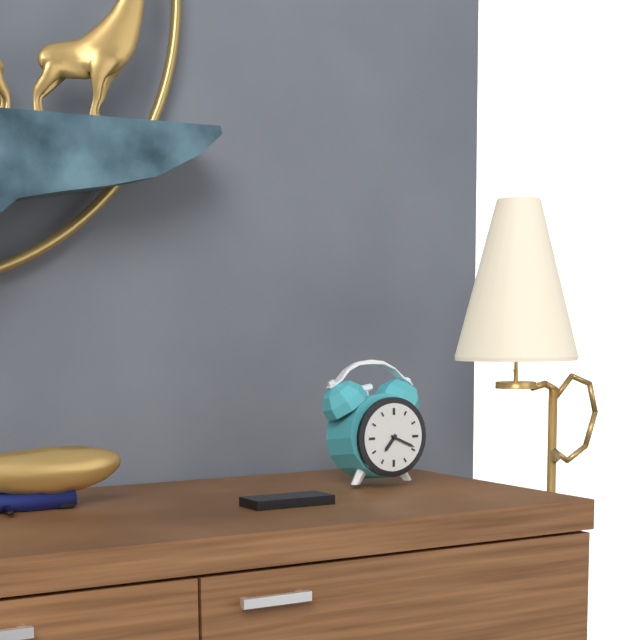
7:19
